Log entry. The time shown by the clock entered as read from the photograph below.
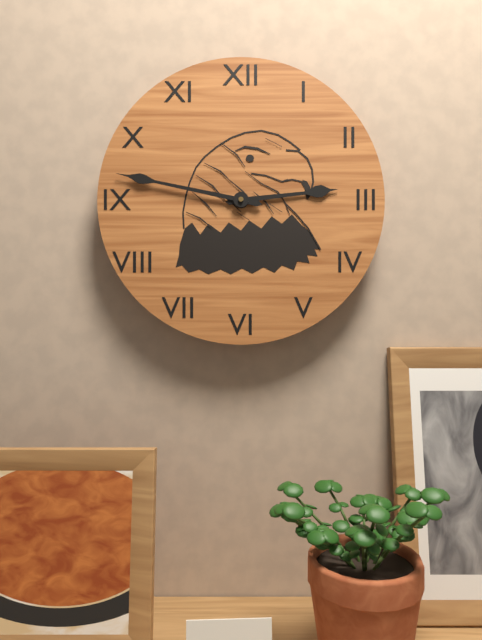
2:47
